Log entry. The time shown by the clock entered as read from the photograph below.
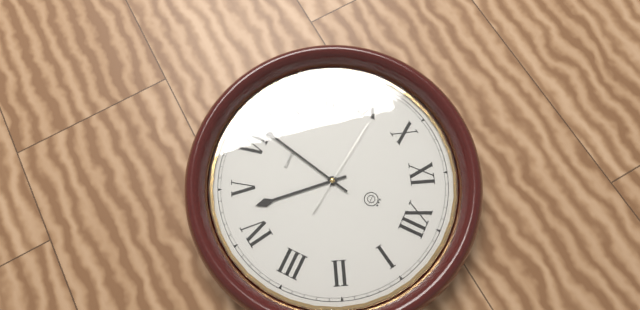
4:32:46
